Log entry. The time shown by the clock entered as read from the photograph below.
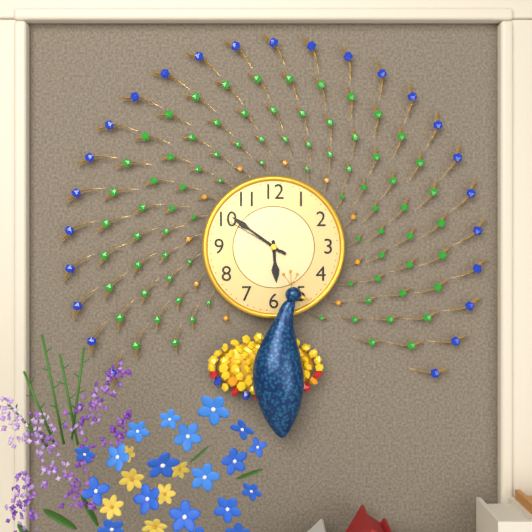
5:51:50
